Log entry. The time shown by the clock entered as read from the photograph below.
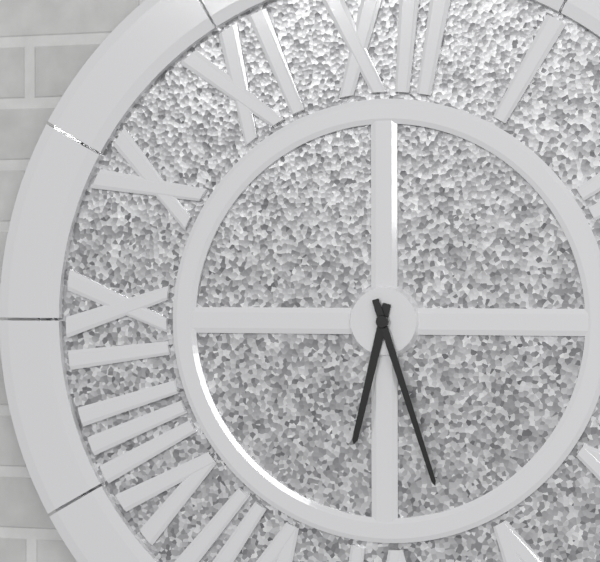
6:27
